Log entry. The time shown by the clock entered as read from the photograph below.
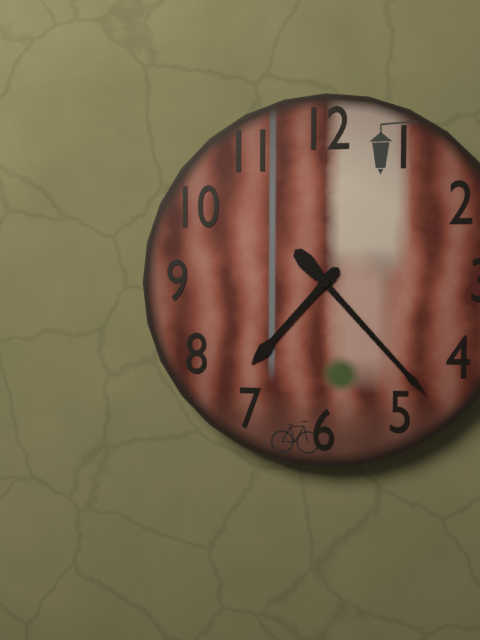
7:23
